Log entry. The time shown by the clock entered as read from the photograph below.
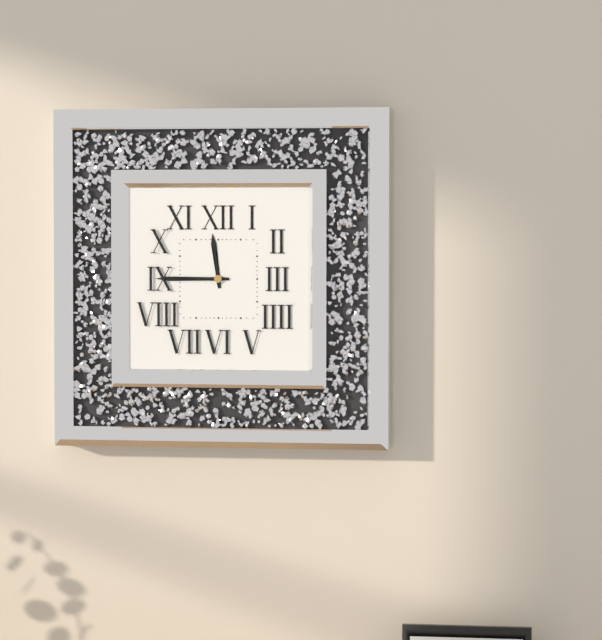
11:45
